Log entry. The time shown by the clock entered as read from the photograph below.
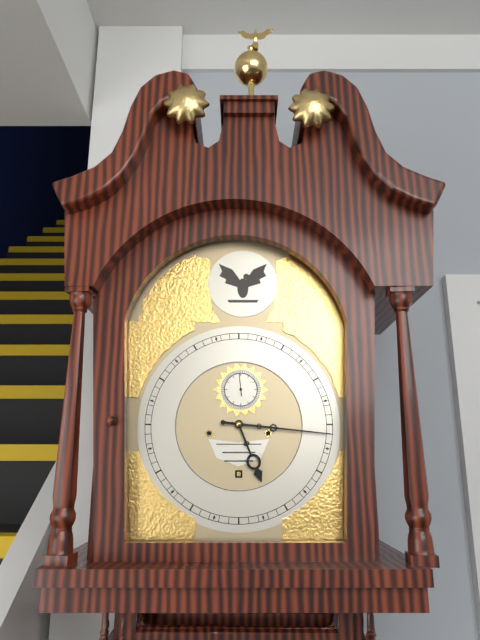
5:16
